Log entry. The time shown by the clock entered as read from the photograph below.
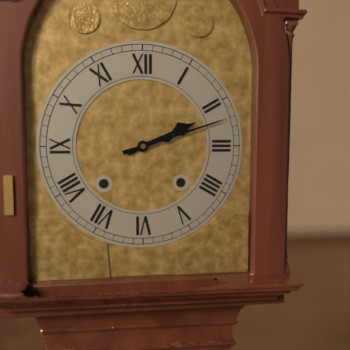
2:12
